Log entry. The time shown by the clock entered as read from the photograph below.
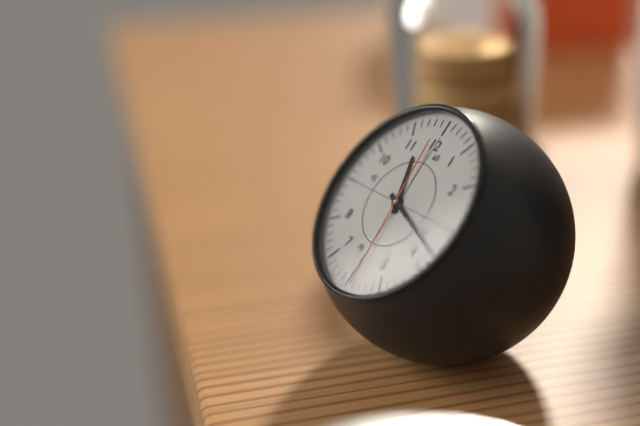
11:18:29
